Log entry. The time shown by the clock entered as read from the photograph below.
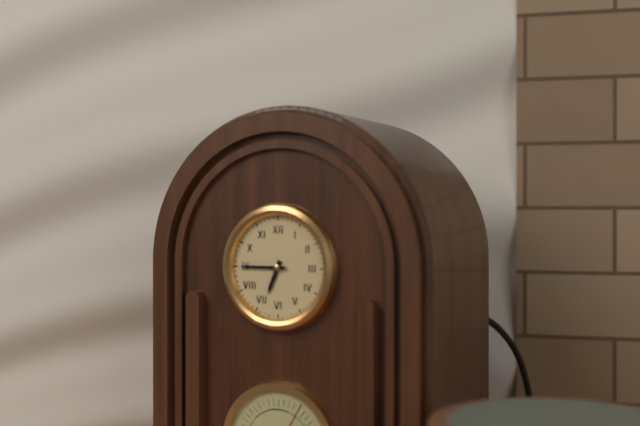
6:45
